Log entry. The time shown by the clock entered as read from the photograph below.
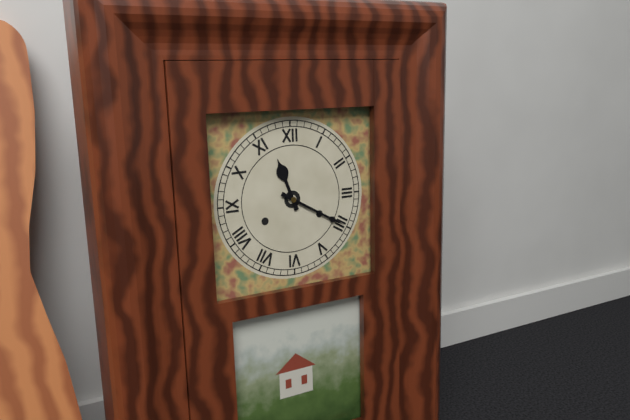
11:20
